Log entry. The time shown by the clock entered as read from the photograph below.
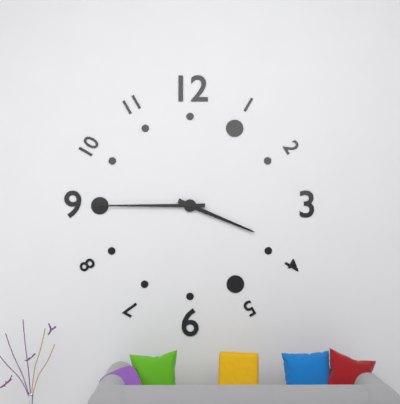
3:45
